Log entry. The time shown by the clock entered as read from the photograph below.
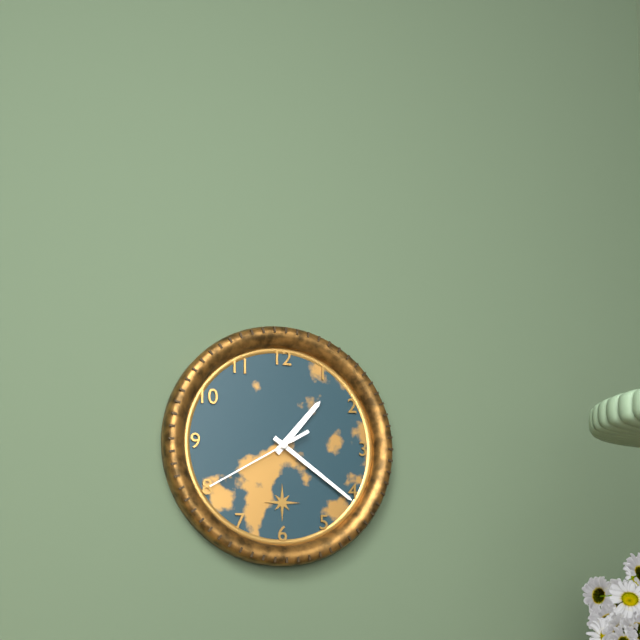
1:21:40
